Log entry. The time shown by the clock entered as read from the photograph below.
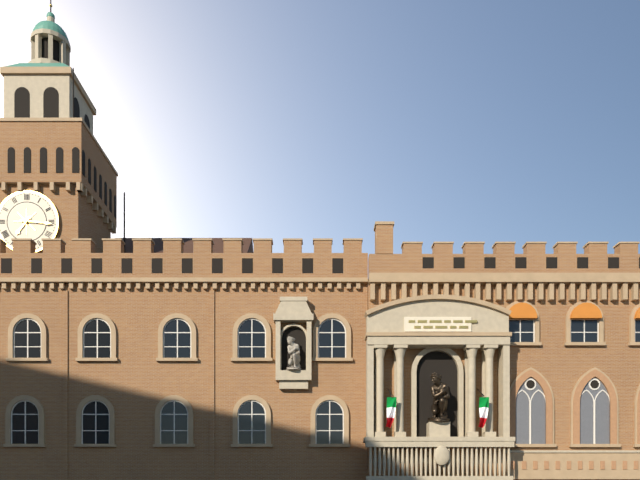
7:16
